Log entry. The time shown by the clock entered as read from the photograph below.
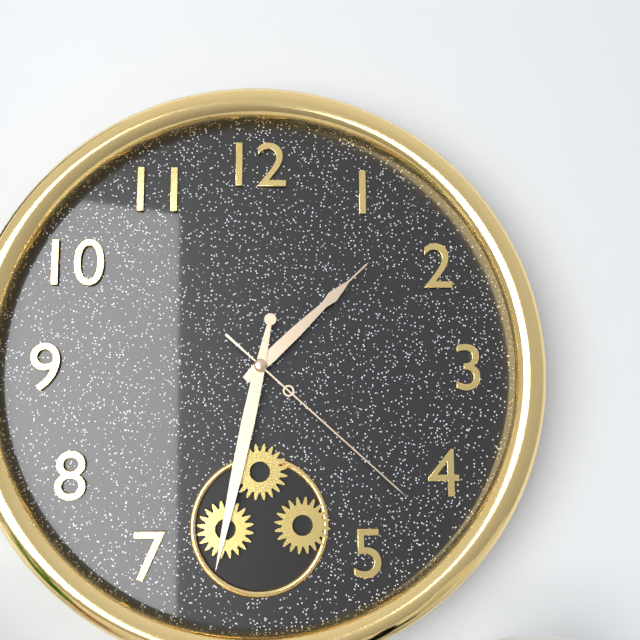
1:32:22
